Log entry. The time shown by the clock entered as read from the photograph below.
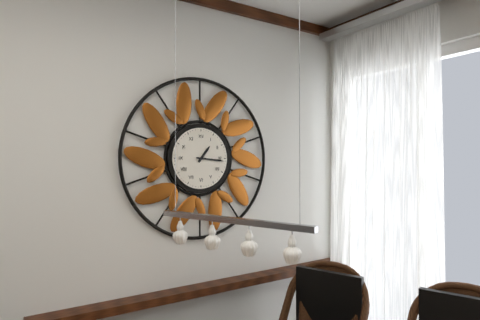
1:16
